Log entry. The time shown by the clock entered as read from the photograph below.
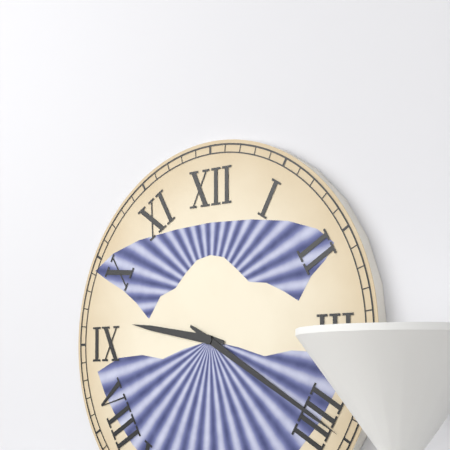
9:20
